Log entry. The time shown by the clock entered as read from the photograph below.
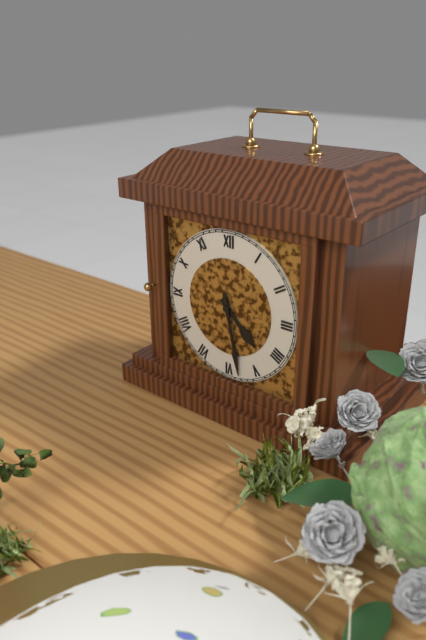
4:28
